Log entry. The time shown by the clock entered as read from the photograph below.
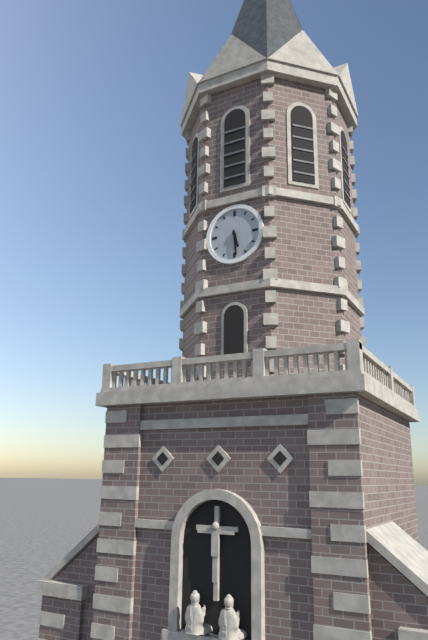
5:29
